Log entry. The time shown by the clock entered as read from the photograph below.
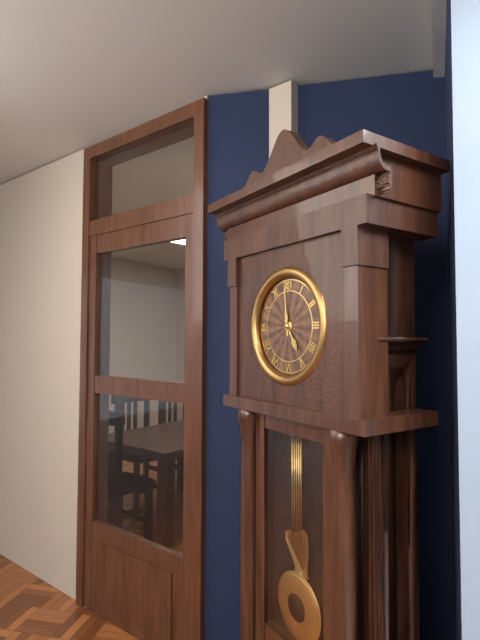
4:59
